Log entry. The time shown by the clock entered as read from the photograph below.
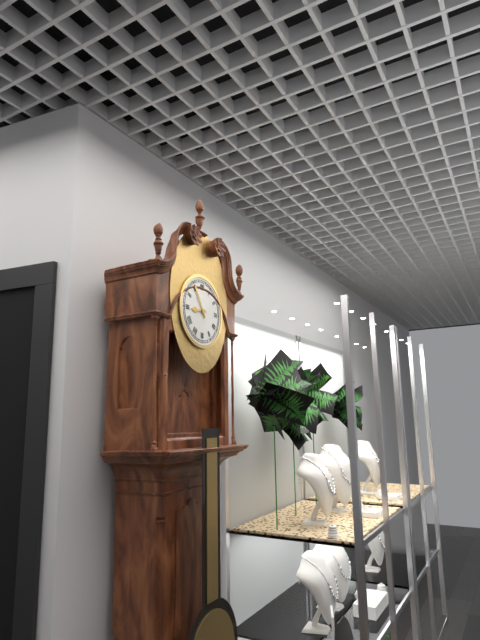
8:55
